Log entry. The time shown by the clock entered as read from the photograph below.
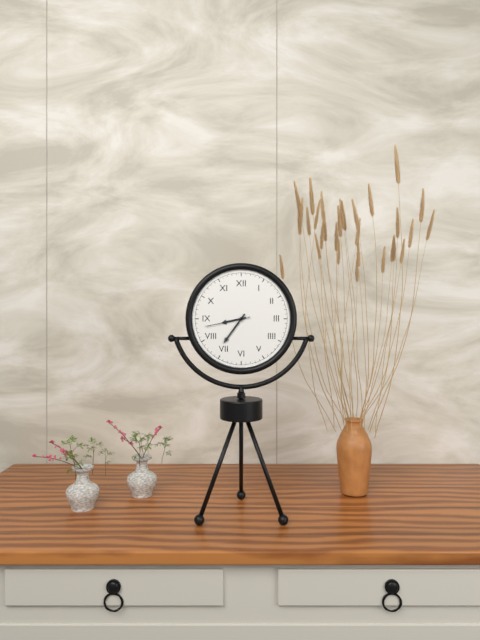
8:36
